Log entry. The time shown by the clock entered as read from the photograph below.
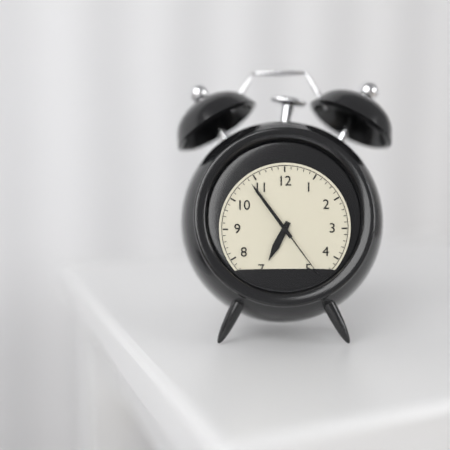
6:54:24
